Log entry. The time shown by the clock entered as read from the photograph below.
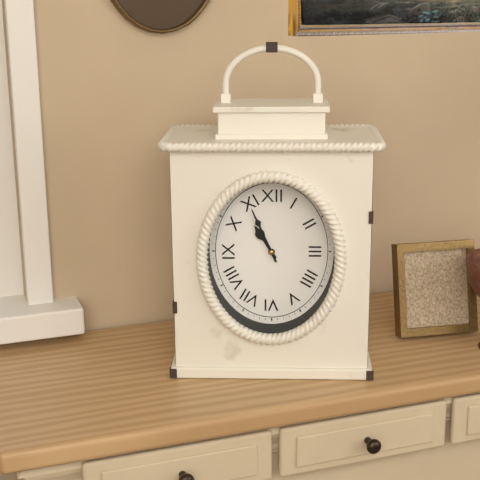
10:56
